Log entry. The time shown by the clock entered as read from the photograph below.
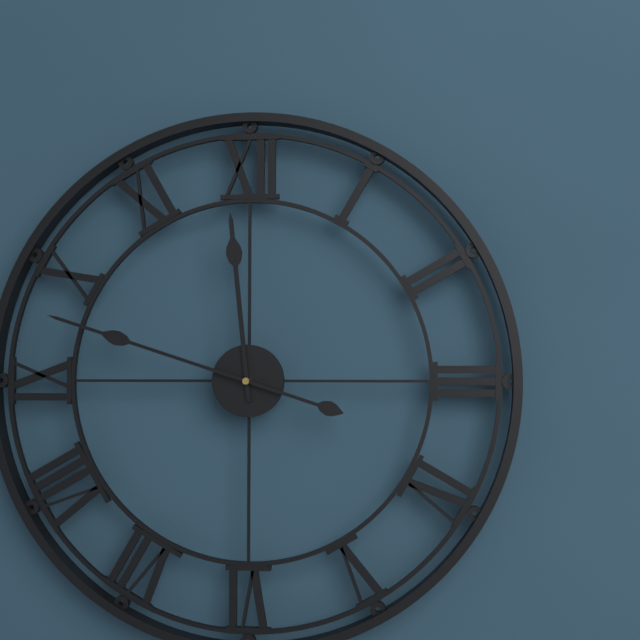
11:48
